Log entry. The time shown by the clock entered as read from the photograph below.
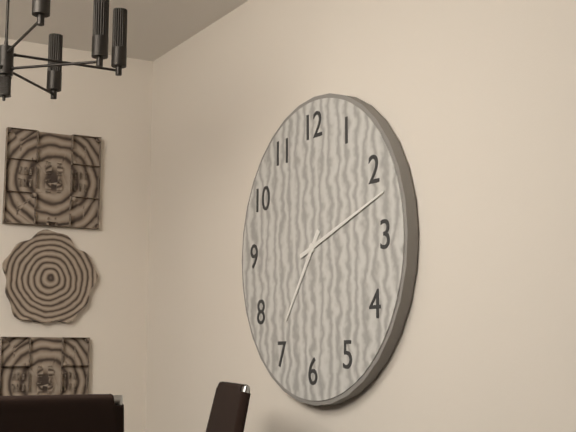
7:12
